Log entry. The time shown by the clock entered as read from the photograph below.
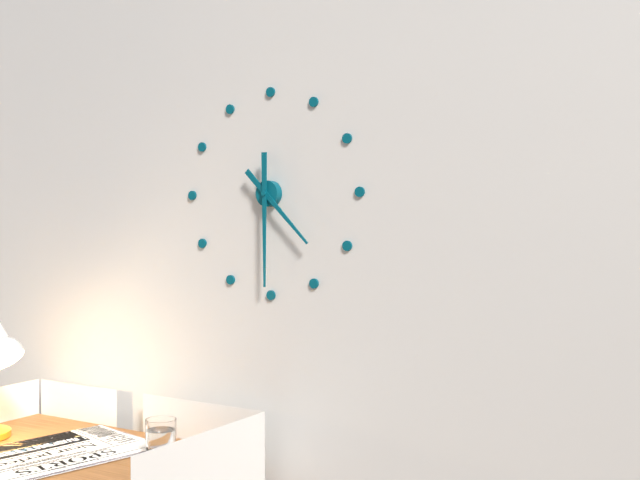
4:30
